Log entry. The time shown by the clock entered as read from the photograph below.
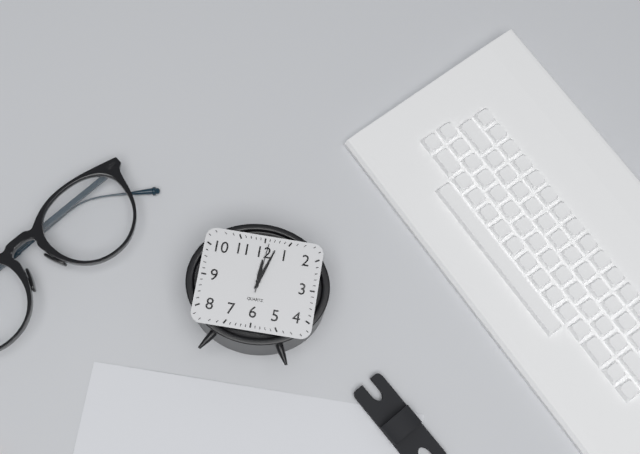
12:03
